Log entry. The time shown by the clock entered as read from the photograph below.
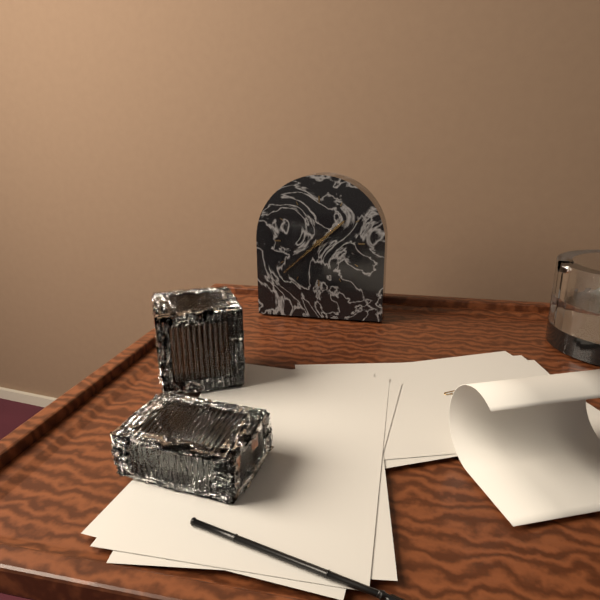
1:38
